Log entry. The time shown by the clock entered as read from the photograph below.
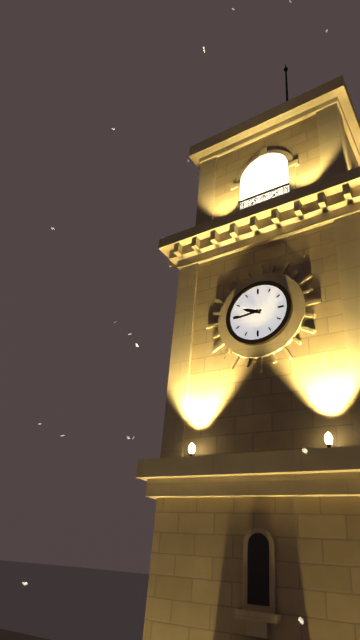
9:44
